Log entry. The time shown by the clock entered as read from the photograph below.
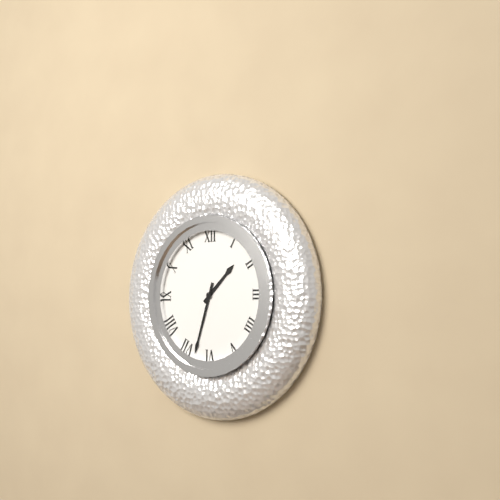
1:33
